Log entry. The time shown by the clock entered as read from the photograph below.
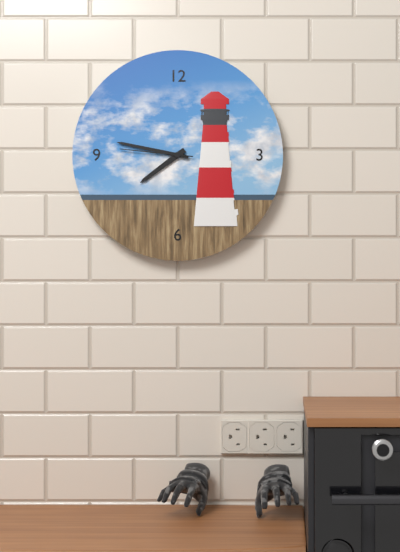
7:47:46
